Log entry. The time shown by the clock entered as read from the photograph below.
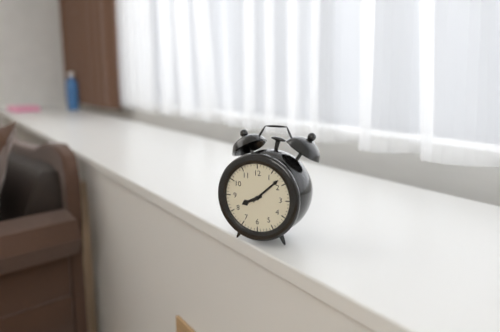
8:08
